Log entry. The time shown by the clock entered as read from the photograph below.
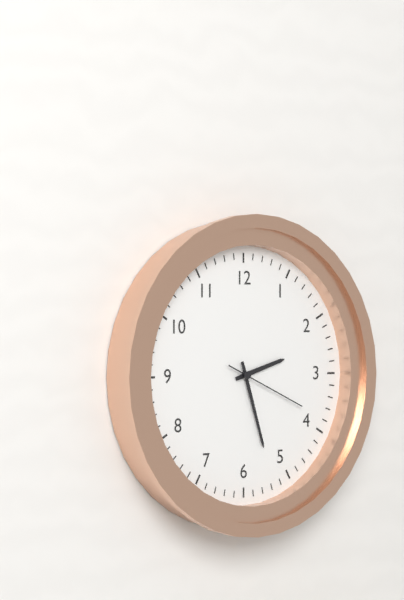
2:27:19
